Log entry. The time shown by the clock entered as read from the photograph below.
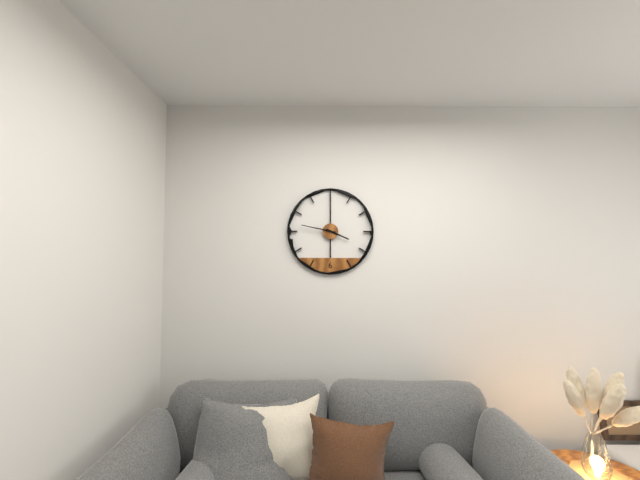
3:47
